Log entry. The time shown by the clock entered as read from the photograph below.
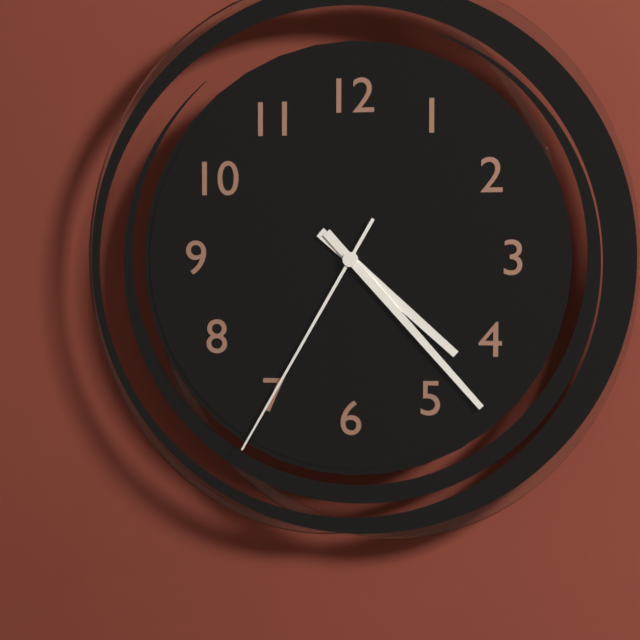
4:23:35
